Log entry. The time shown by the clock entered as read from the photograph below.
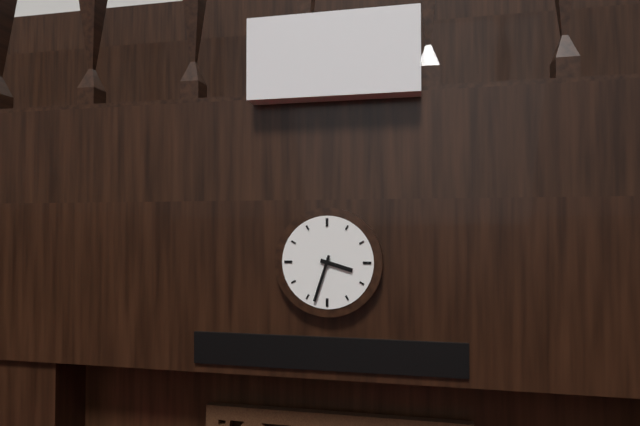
3:33
